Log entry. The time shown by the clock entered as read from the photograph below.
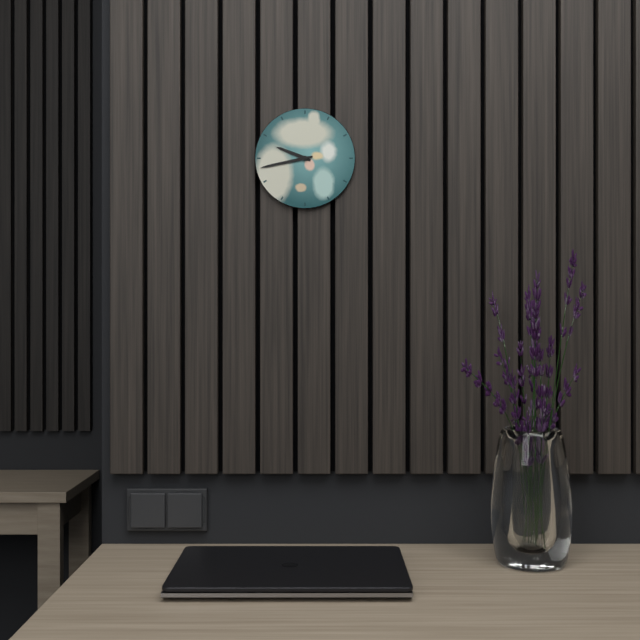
9:43
